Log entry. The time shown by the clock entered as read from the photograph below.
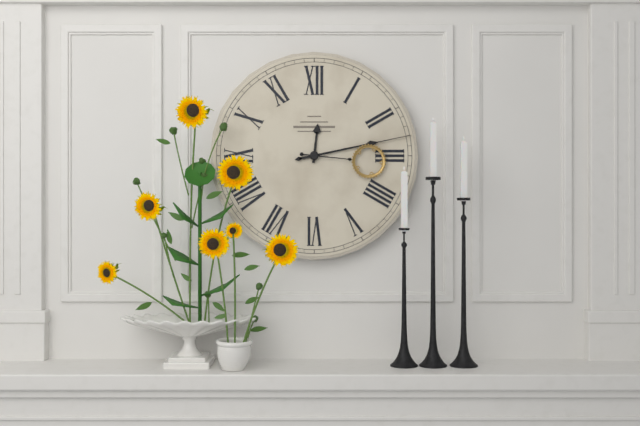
12:13:16
